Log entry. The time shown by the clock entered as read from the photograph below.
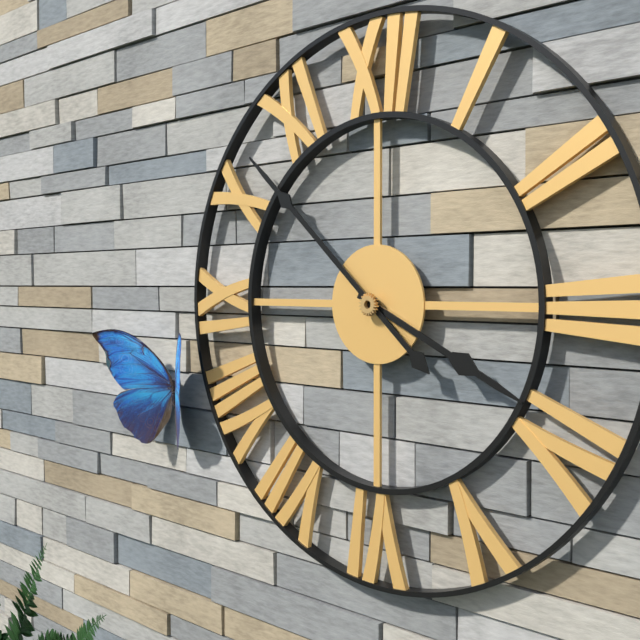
3:52
